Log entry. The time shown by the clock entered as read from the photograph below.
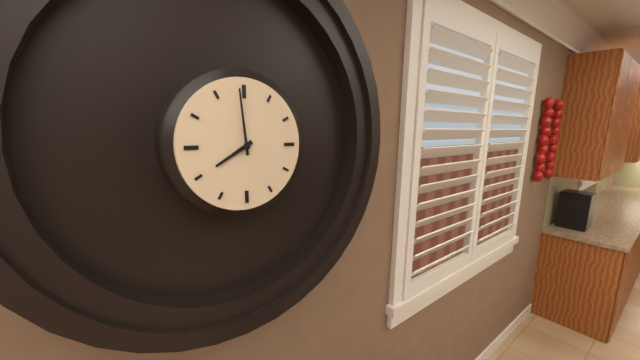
7:59
